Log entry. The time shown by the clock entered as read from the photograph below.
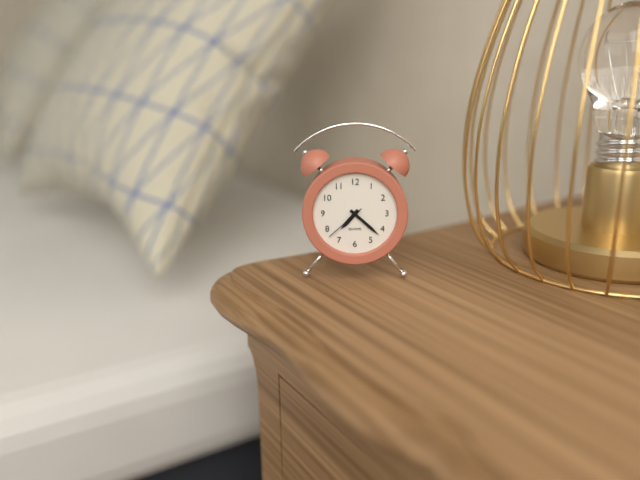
7:22
